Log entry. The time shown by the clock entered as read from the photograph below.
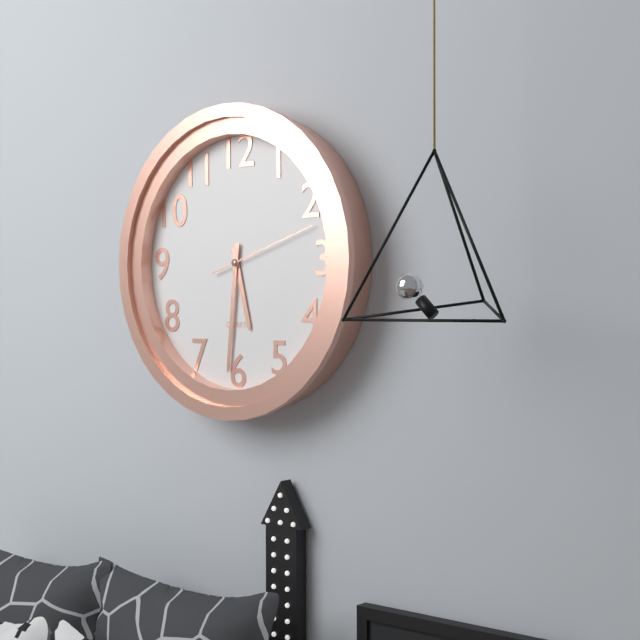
5:31:12
